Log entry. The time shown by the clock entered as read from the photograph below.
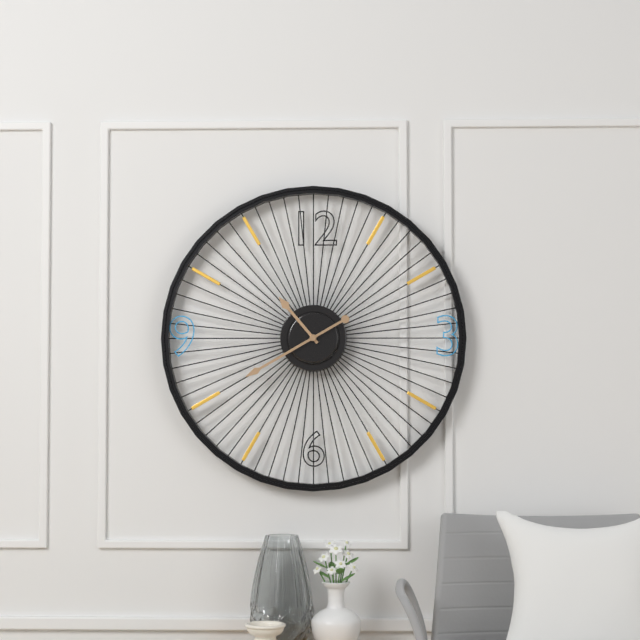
10:40
